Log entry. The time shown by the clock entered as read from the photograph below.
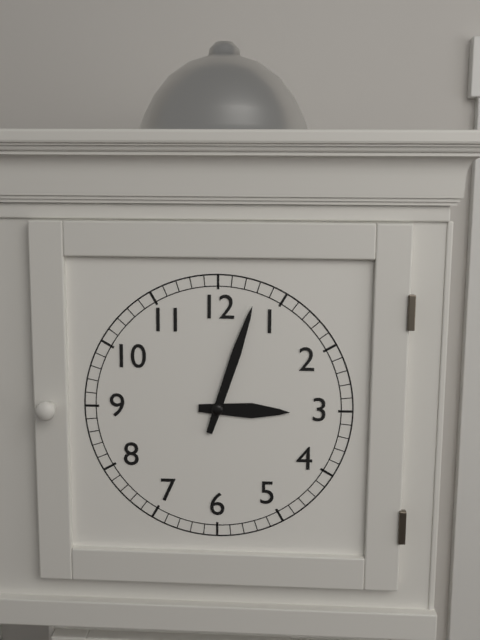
3:03
